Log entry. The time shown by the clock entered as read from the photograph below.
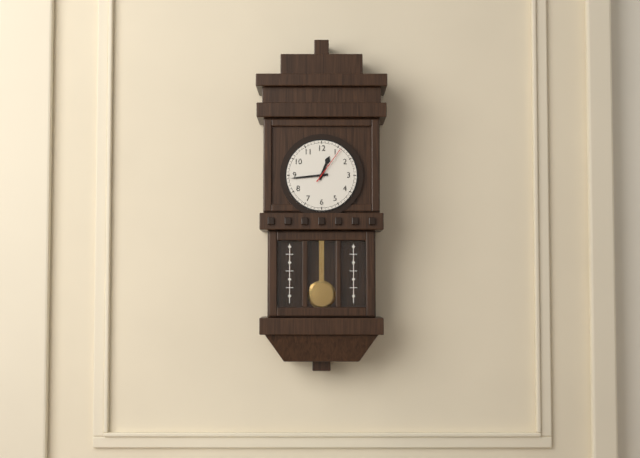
12:44
